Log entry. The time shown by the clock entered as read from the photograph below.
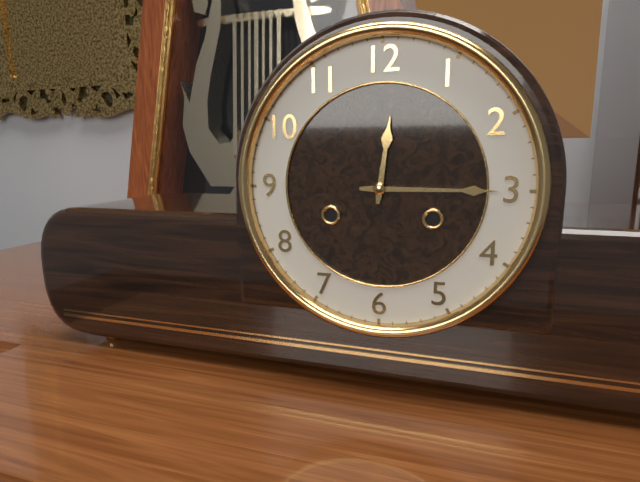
12:15
